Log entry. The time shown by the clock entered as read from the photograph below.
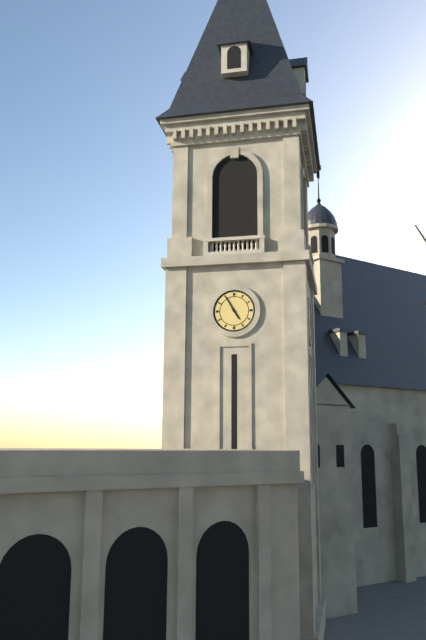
4:55
